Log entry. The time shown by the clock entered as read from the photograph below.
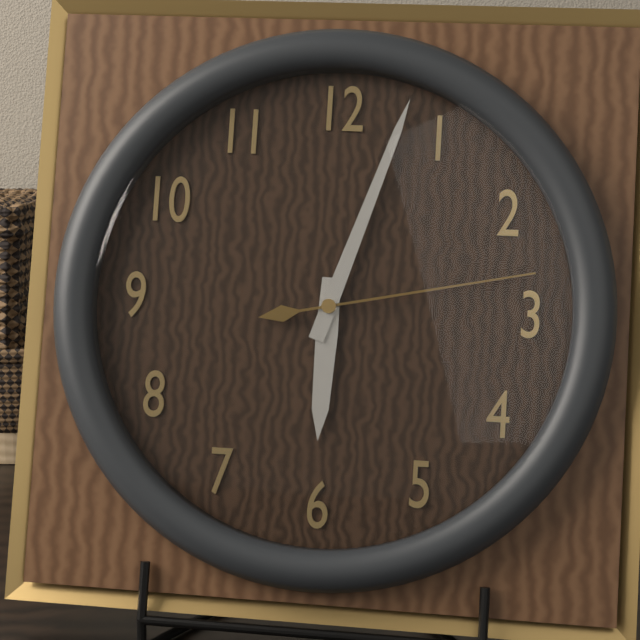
6:03:13
